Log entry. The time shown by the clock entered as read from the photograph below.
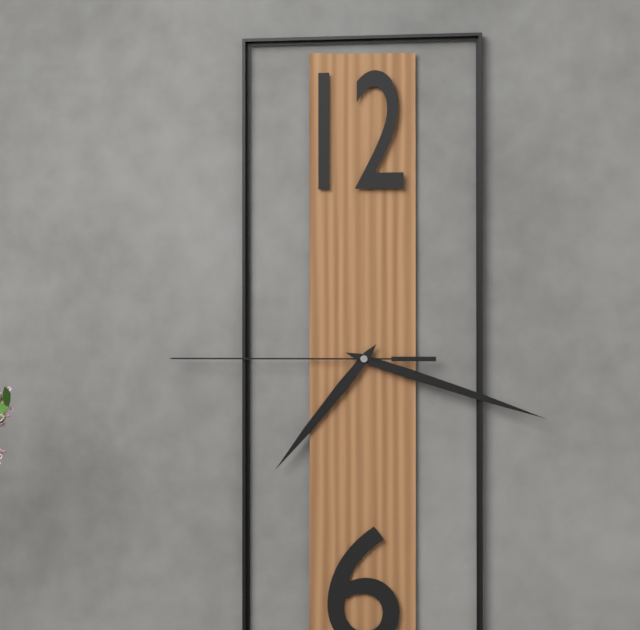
7:18:45
